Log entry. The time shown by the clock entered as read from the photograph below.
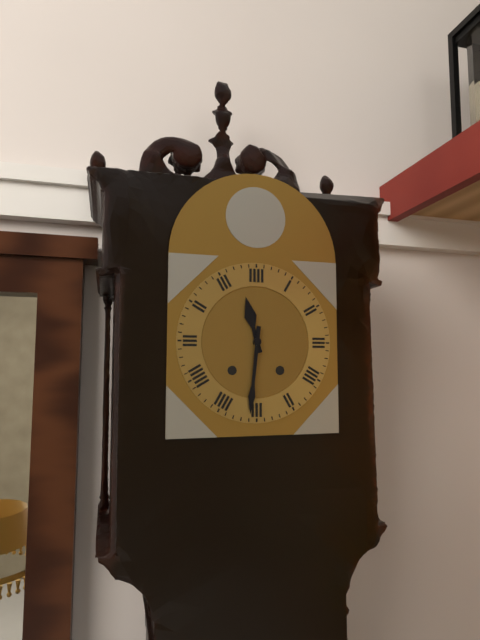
11:31
